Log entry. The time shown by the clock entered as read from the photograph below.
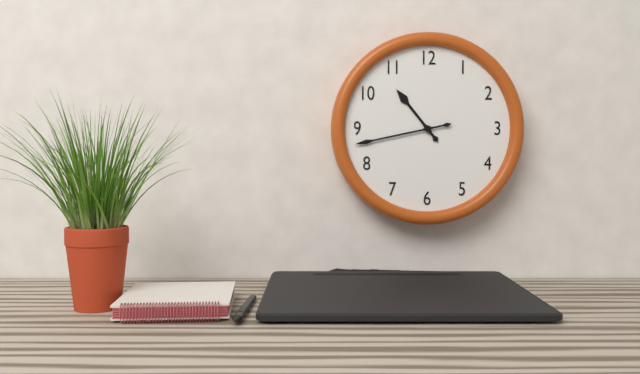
10:43
